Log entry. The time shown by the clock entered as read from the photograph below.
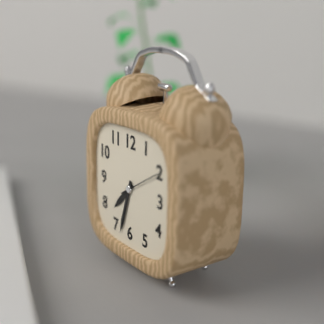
7:33
